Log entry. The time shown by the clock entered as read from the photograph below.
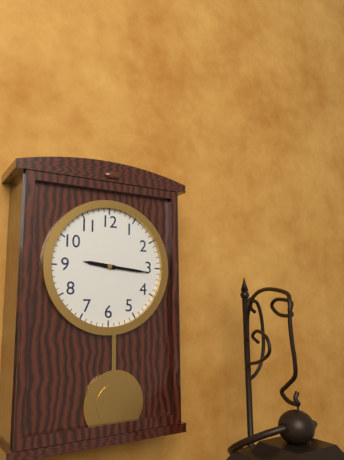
9:16
